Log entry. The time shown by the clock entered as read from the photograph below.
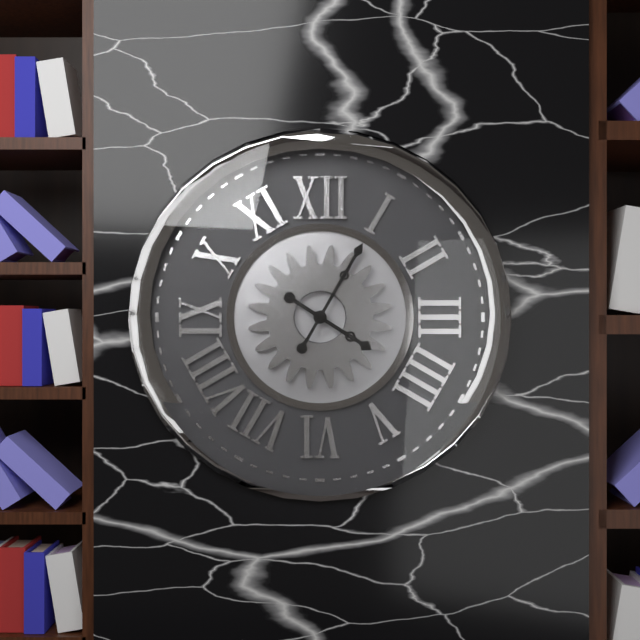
4:05
